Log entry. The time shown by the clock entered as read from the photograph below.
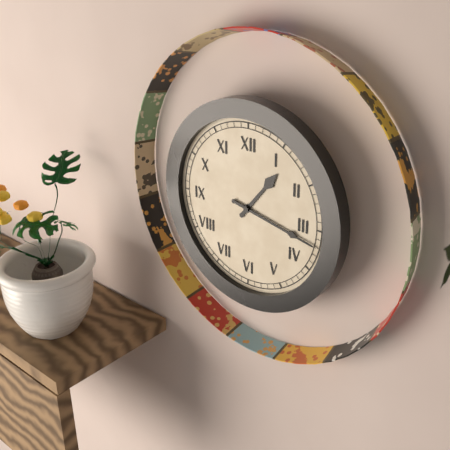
1:17
